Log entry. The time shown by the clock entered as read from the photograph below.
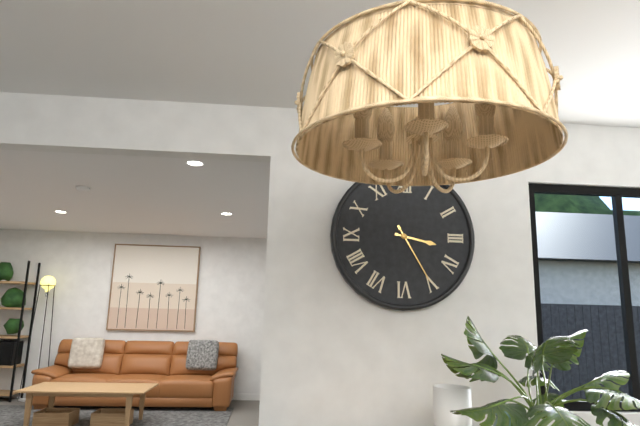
3:25
